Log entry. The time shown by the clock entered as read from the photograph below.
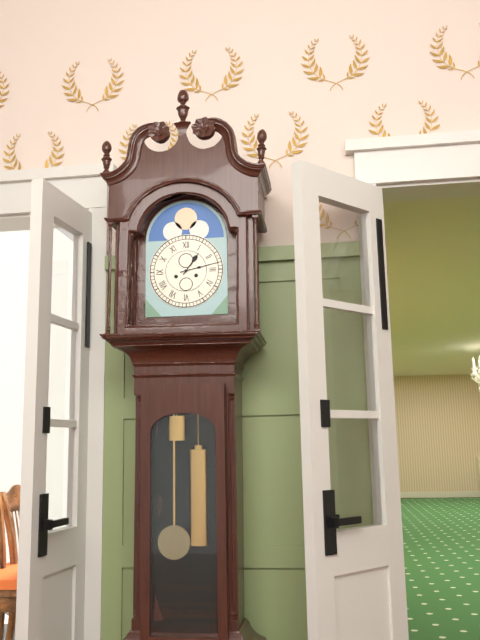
1:13
